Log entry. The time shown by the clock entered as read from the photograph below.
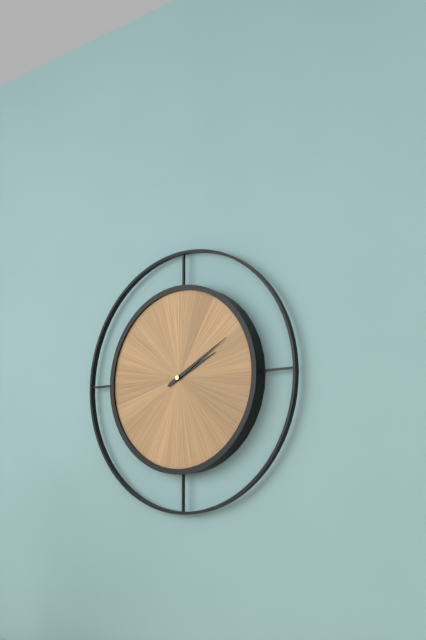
2:10
